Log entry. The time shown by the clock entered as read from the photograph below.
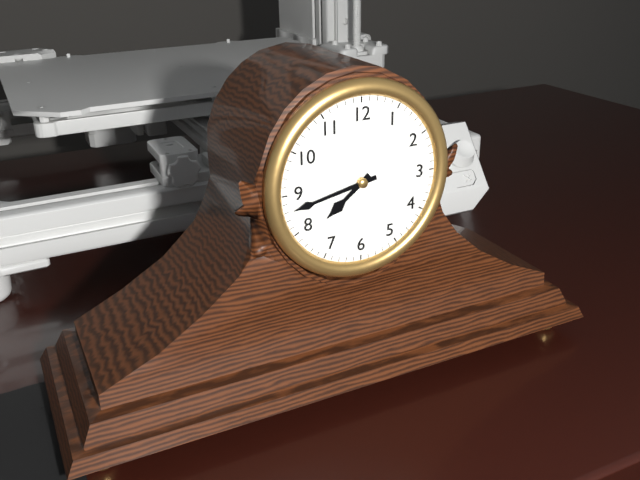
7:43
